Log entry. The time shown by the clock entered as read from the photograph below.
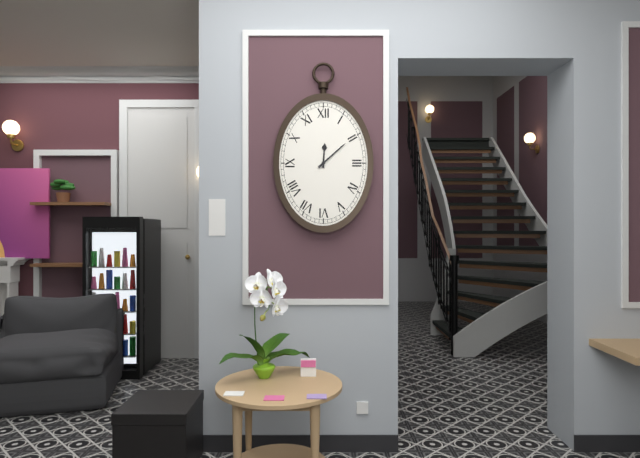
12:08
